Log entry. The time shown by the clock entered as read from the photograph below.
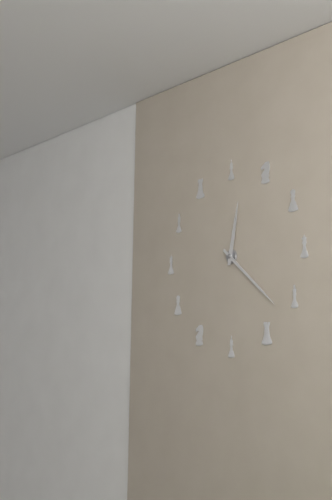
12:22
